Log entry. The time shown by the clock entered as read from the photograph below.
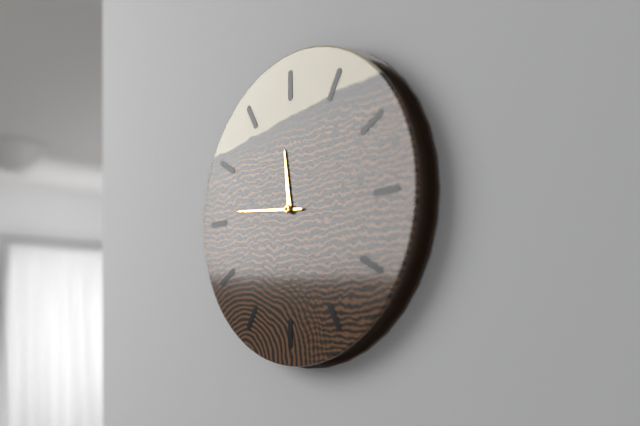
11:46
